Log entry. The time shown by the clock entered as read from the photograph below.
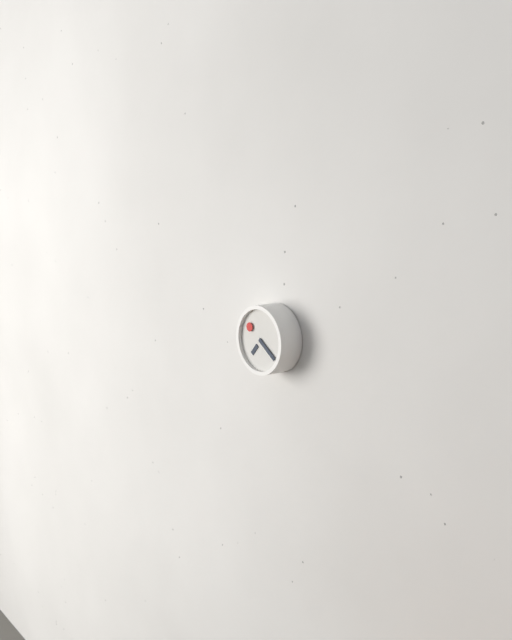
7:21
